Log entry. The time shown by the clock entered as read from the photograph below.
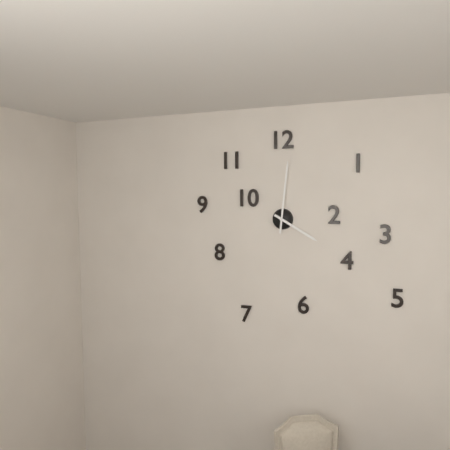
4:01
